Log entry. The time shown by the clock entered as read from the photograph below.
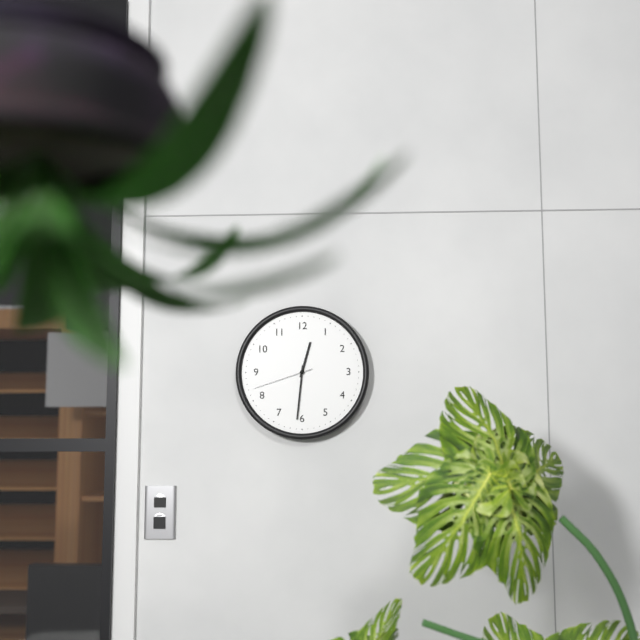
12:31:42
